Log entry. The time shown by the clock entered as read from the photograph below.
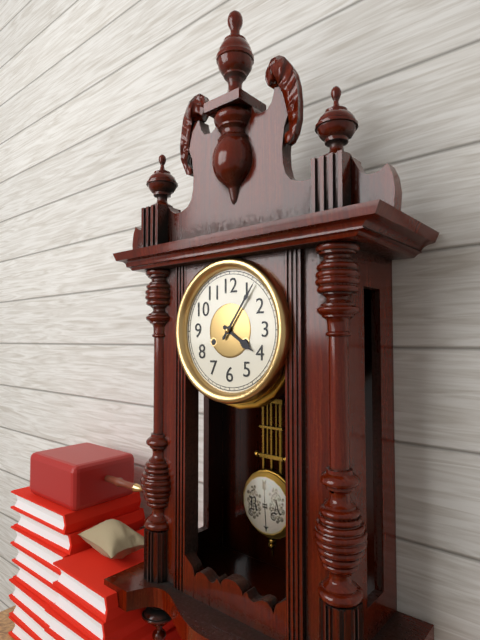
4:06
